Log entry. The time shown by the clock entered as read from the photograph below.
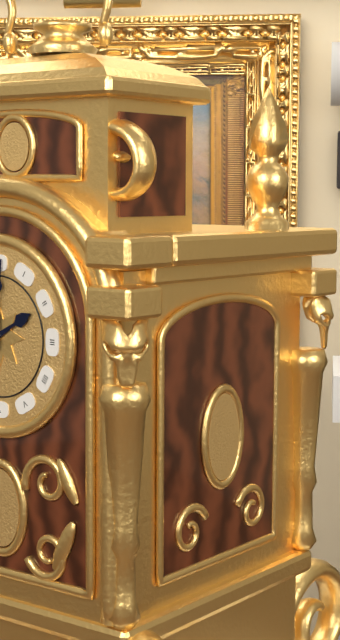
2:01
